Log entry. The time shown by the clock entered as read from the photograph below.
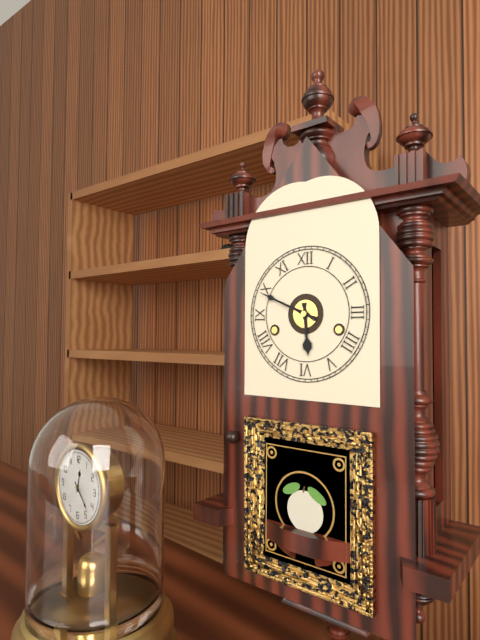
5:49
